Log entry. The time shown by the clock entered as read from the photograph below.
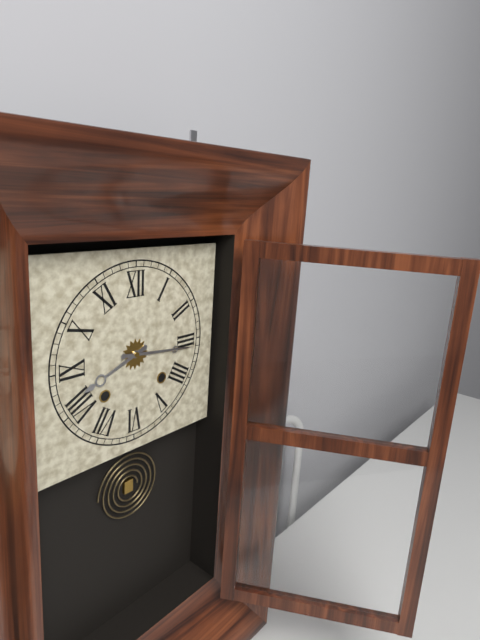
8:16
